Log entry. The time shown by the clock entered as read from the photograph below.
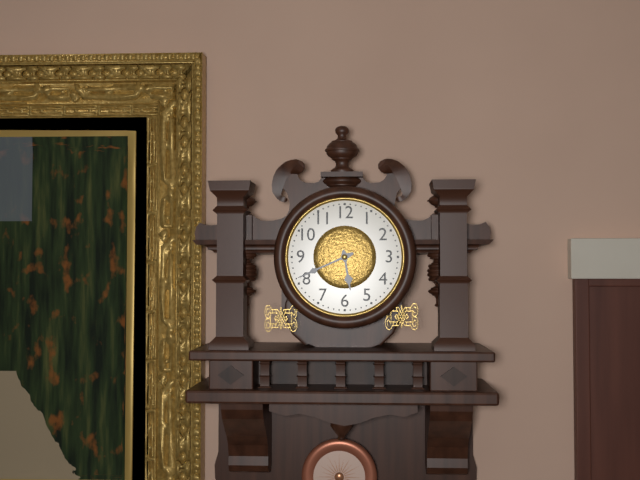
5:41
